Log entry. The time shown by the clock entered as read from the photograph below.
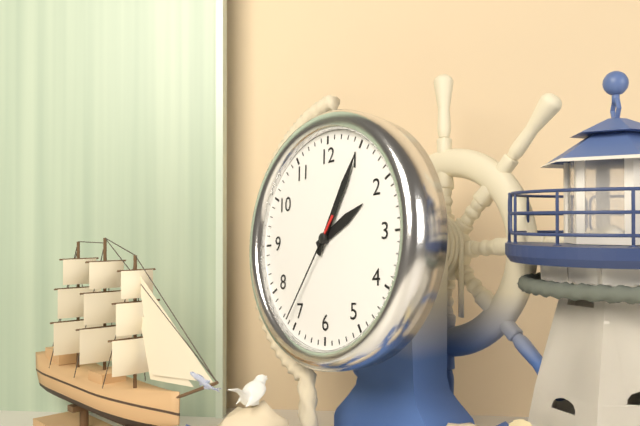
2:05:36
